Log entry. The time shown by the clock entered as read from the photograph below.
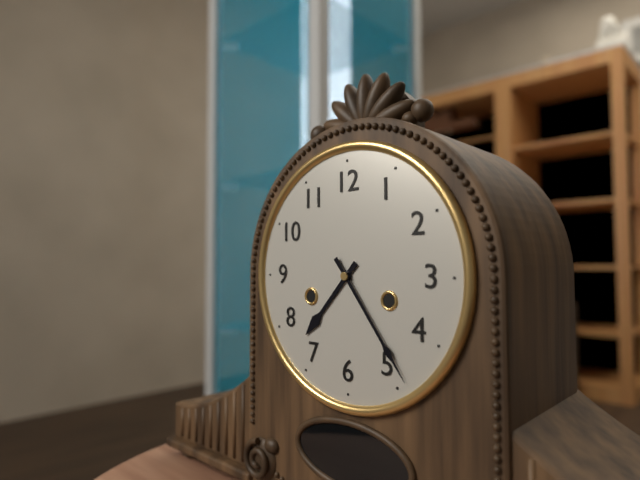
7:24
